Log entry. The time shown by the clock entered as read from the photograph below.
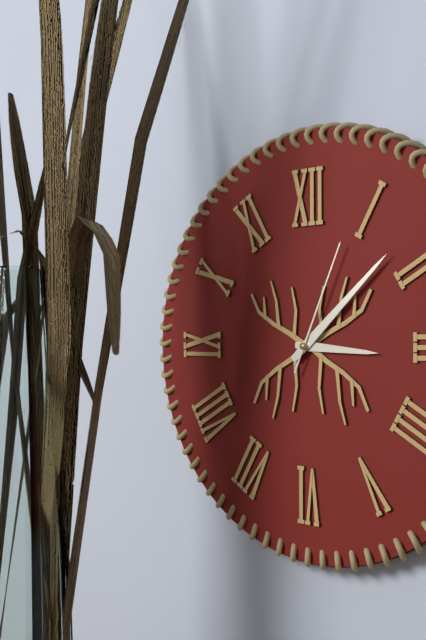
3:08:04
